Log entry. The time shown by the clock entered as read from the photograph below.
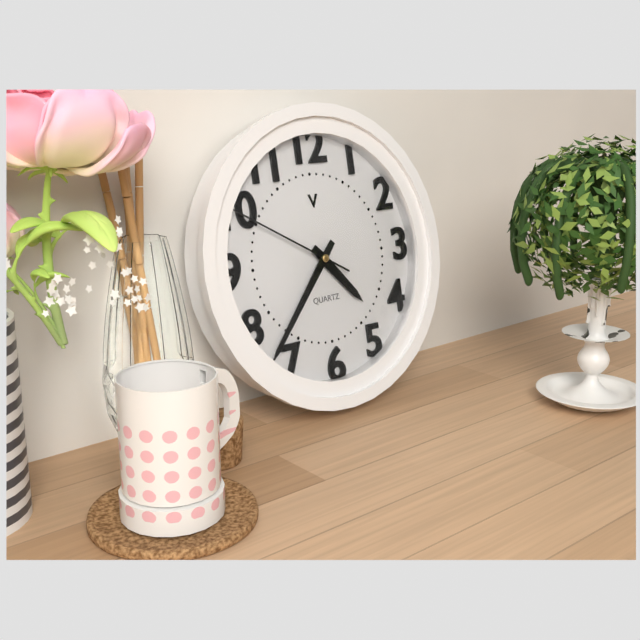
4:37:50
